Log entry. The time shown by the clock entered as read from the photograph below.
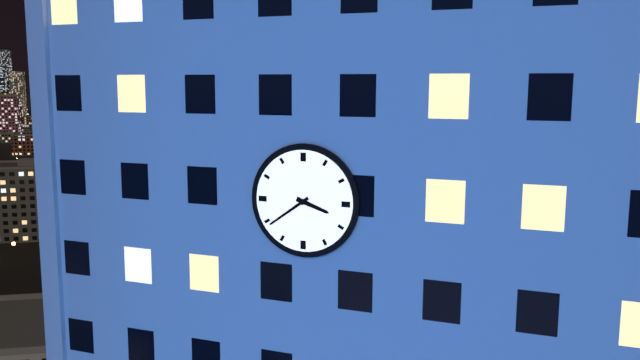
3:39
